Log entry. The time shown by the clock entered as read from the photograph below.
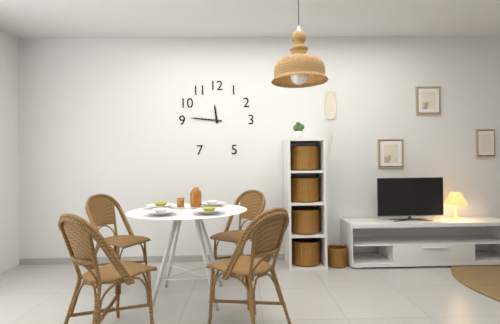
11:46
